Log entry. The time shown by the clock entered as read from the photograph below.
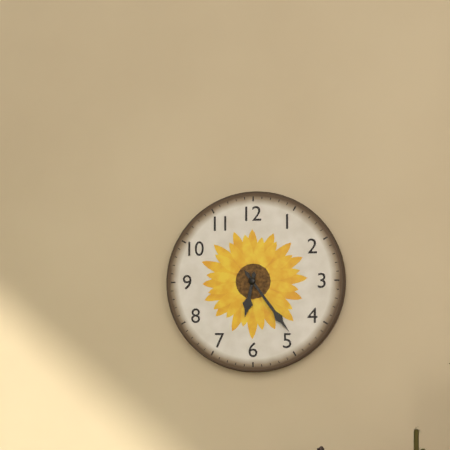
6:24
